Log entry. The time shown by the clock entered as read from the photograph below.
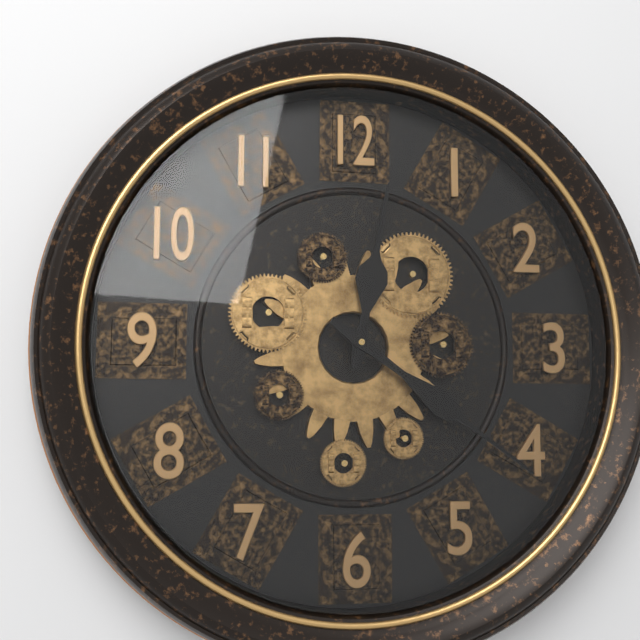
12:21
